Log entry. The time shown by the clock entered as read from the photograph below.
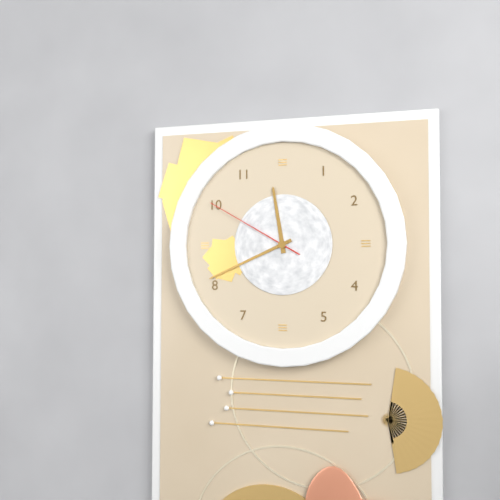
11:41:50
